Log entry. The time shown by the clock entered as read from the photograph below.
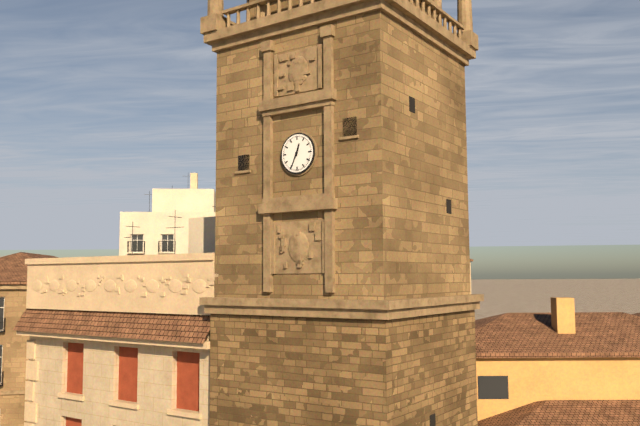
12:34
